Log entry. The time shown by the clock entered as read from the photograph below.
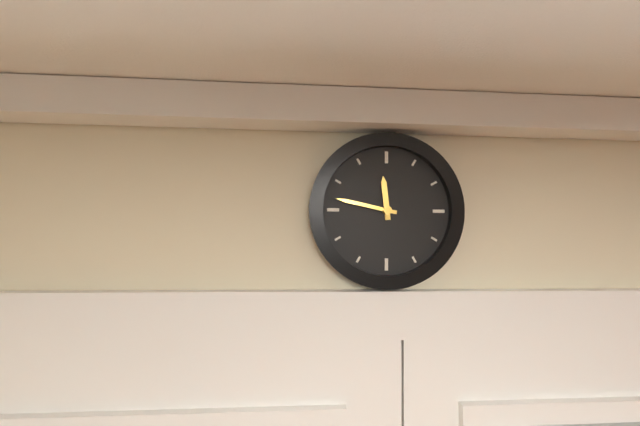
11:47
